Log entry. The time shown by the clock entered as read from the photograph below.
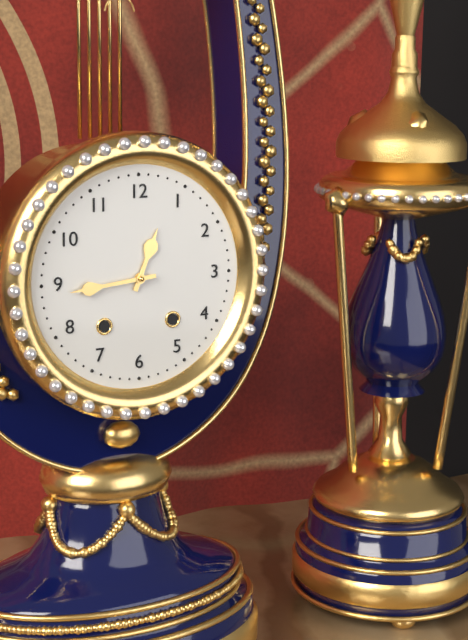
12:44
